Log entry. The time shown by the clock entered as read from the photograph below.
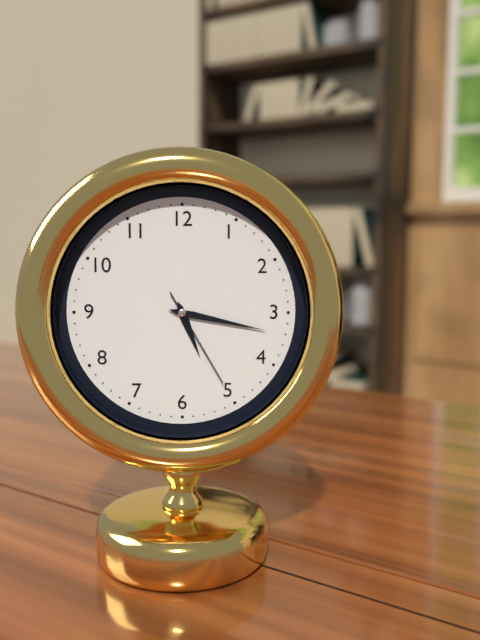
5:17:25
